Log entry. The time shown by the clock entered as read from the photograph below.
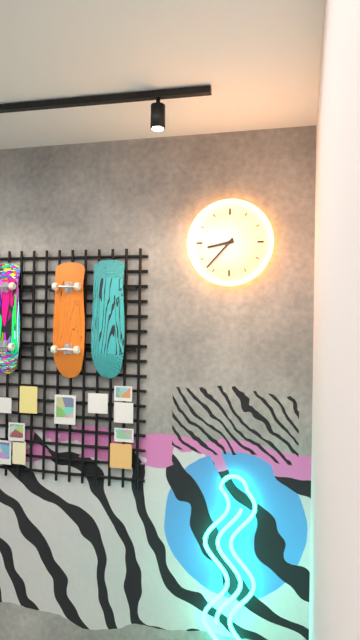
8:37
